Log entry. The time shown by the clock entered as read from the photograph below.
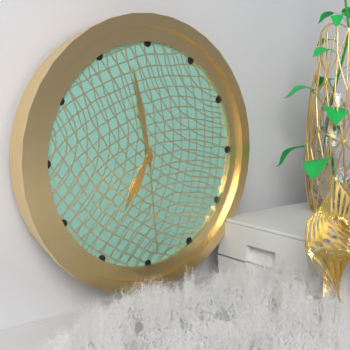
6:58:29
